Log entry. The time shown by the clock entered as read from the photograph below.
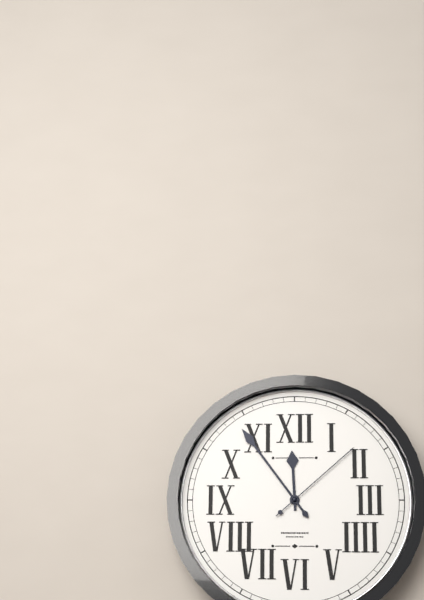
11:54:08
